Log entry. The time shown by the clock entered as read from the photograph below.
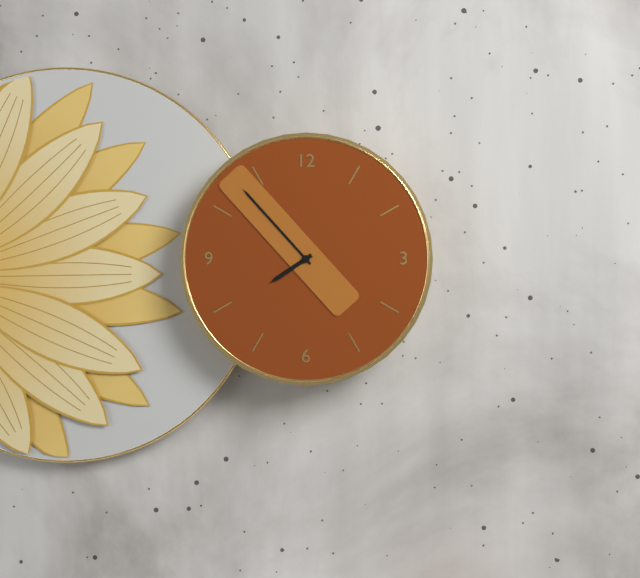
7:53
